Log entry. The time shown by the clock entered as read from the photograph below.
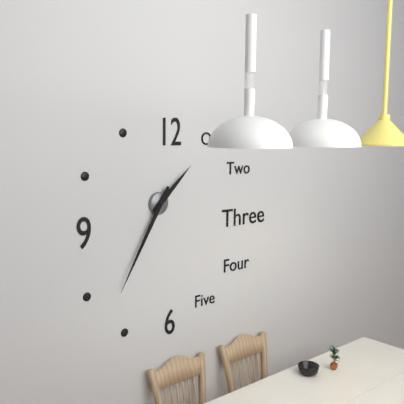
1:35
